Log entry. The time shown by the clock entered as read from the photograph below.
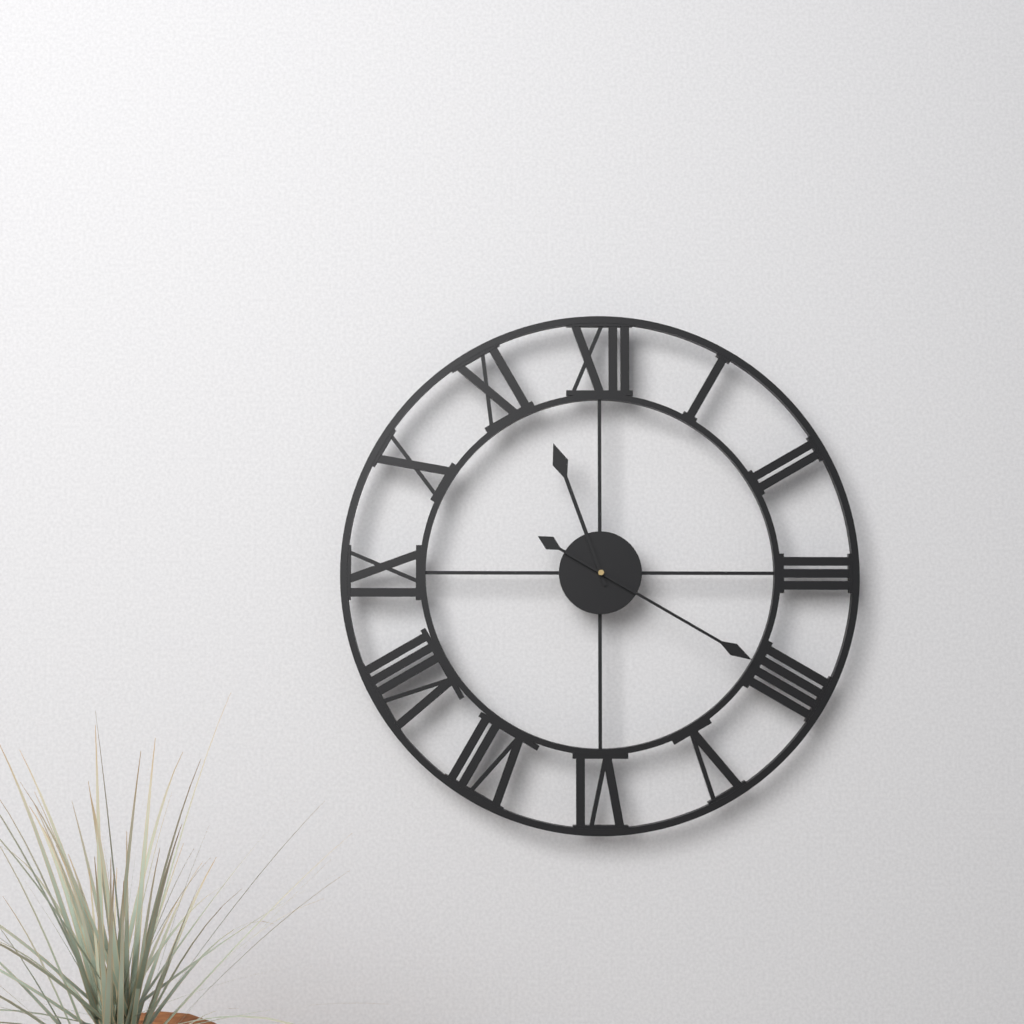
11:20
